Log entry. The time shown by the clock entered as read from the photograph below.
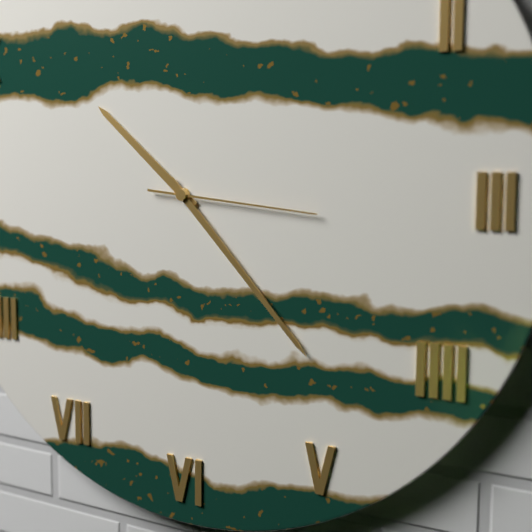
10:23:16
